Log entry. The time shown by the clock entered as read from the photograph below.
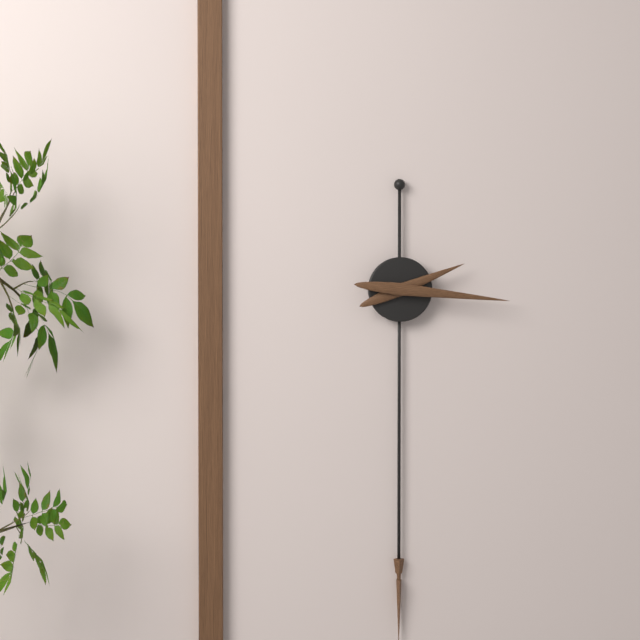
2:16
